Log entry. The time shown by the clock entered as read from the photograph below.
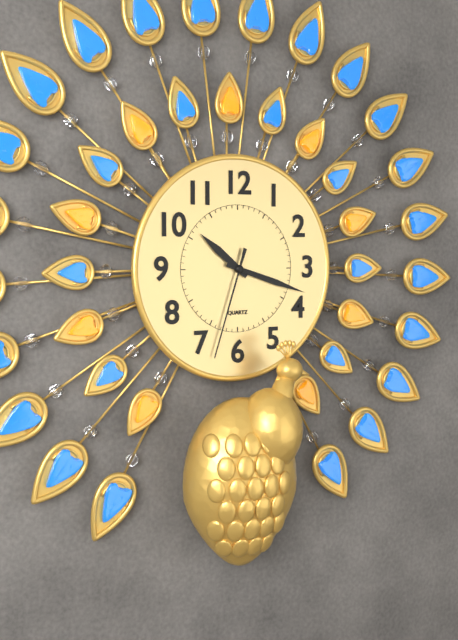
10:18:33
